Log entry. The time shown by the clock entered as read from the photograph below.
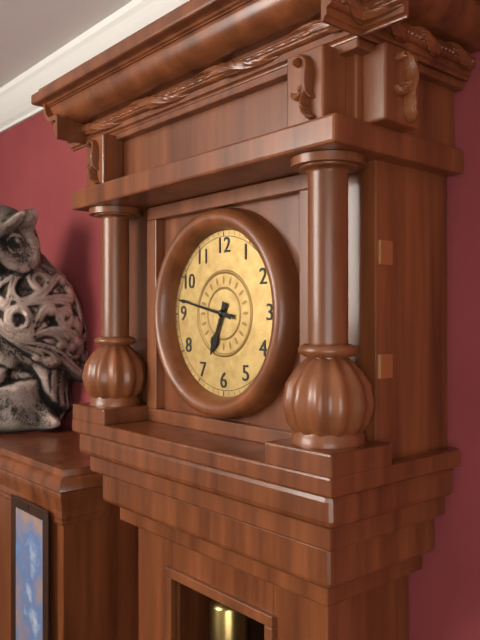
6:47
